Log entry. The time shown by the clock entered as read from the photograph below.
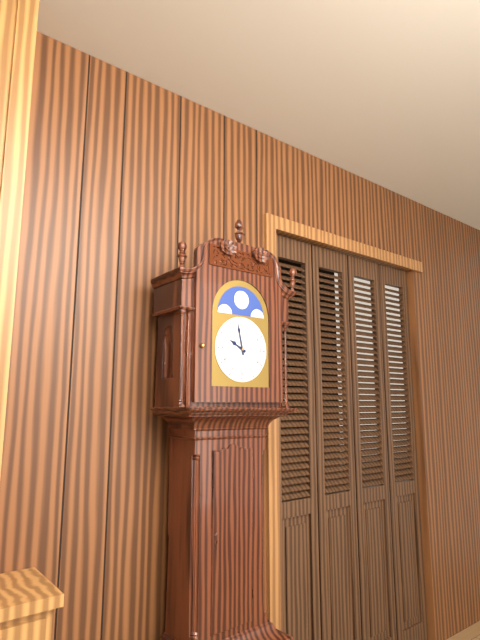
9:58
